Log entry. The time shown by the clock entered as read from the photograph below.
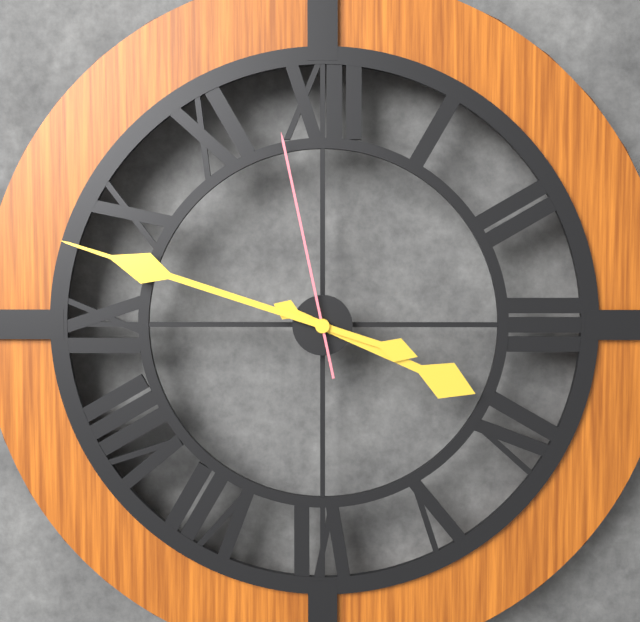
3:48:58
